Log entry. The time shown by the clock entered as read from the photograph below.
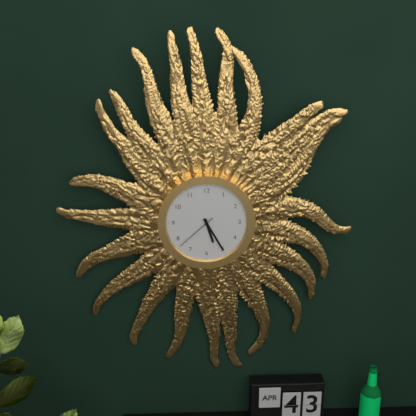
5:25
